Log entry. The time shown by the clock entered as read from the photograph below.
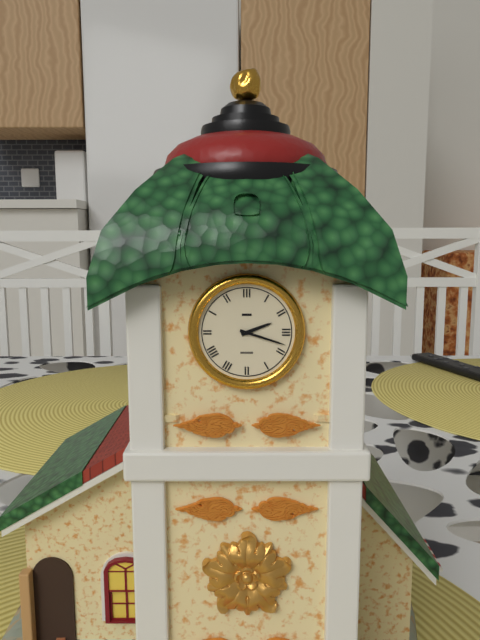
2:18
